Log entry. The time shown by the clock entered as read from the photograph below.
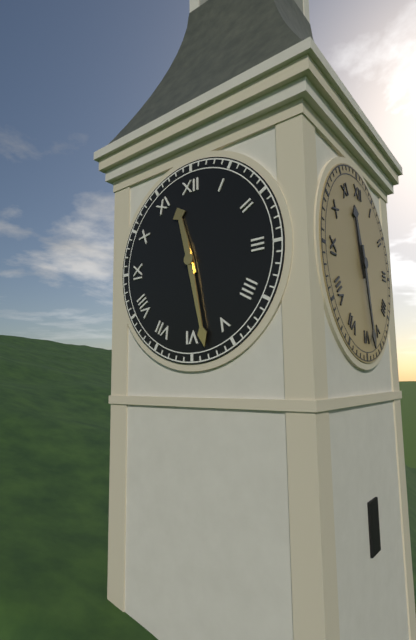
11:28
